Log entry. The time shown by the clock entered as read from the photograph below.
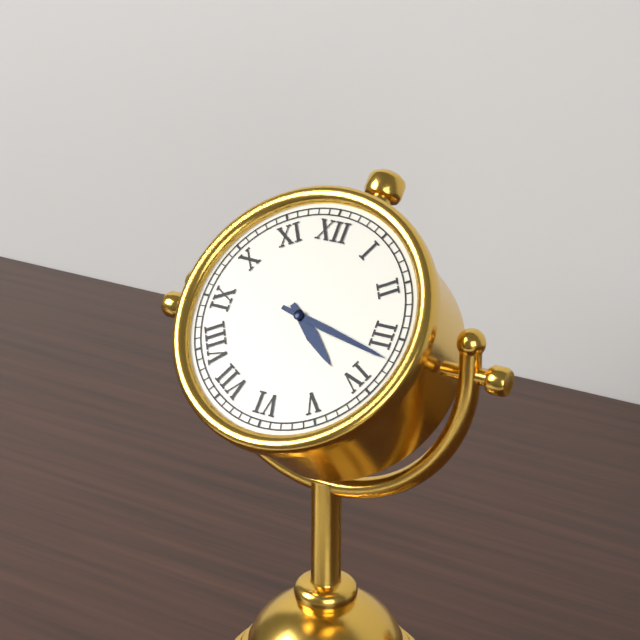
4:17
